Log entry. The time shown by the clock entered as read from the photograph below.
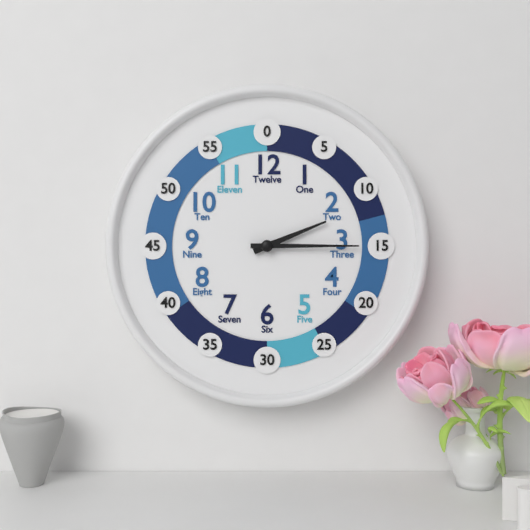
2:15
